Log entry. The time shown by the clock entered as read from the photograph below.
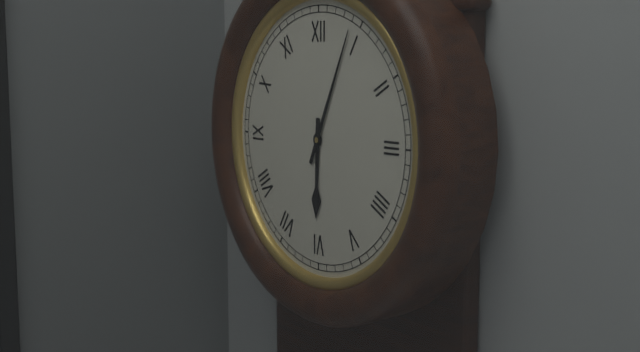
6:04
